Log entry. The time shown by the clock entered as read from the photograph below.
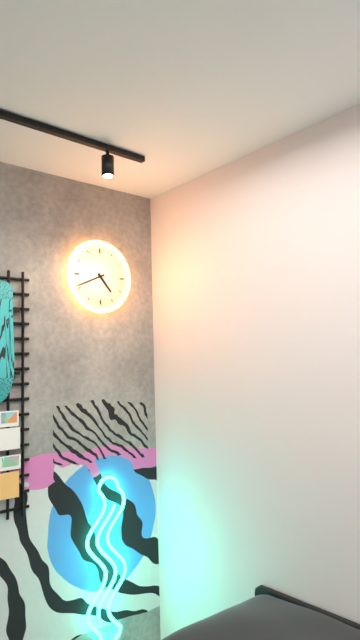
4:41
